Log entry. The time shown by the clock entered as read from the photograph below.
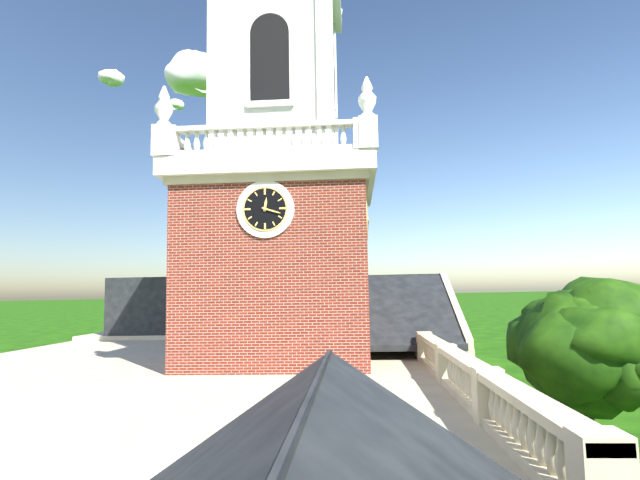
12:18
